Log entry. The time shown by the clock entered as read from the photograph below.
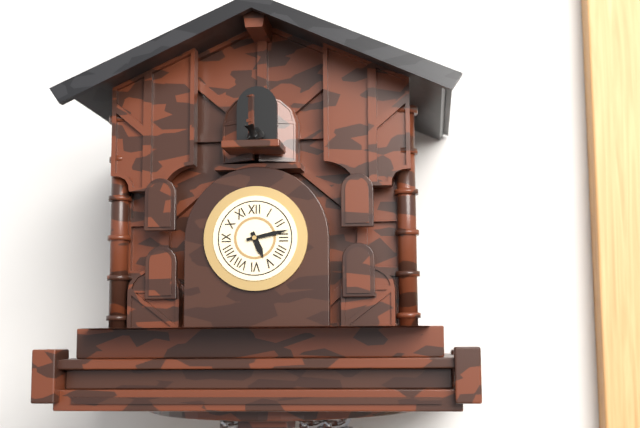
5:13
